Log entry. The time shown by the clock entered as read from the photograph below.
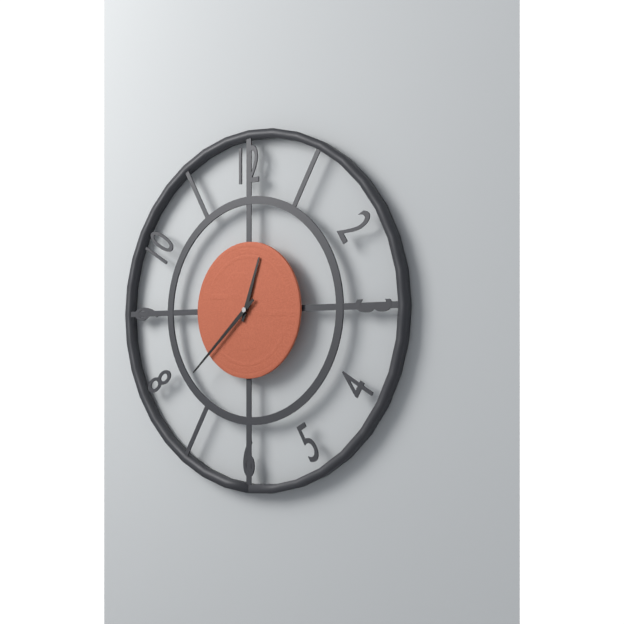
12:38
